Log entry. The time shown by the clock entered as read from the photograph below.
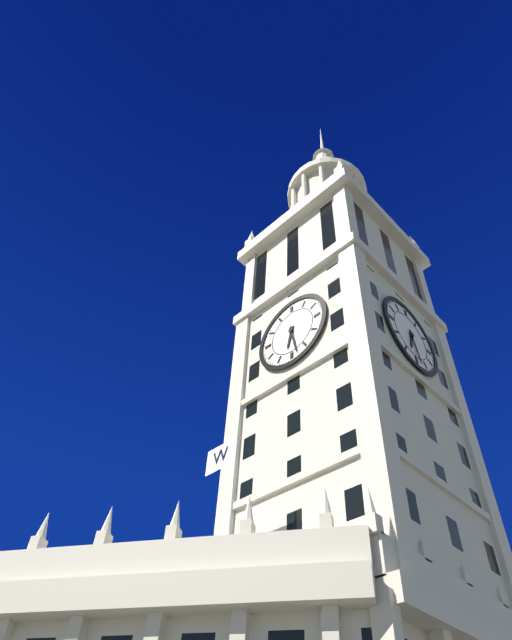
6:28
